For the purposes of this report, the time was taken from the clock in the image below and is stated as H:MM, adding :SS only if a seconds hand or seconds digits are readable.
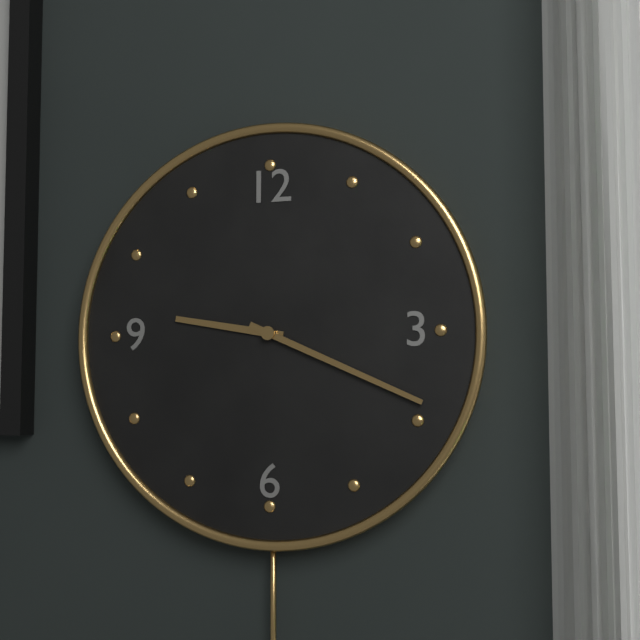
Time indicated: 9:19
